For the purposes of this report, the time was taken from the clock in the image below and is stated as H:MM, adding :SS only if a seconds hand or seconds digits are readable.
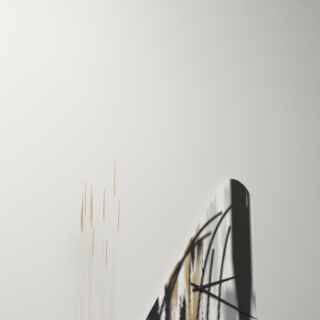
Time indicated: 2:18
